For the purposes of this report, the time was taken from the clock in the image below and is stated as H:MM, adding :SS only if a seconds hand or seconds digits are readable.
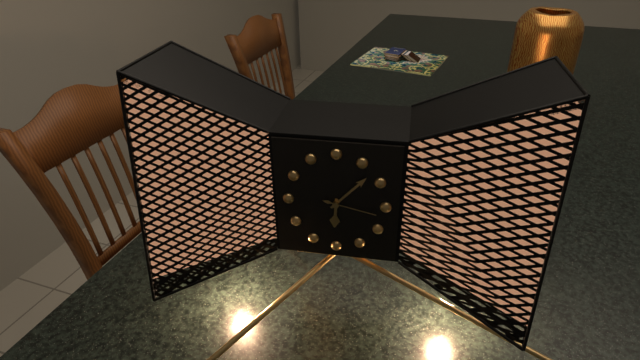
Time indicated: 6:07:17
